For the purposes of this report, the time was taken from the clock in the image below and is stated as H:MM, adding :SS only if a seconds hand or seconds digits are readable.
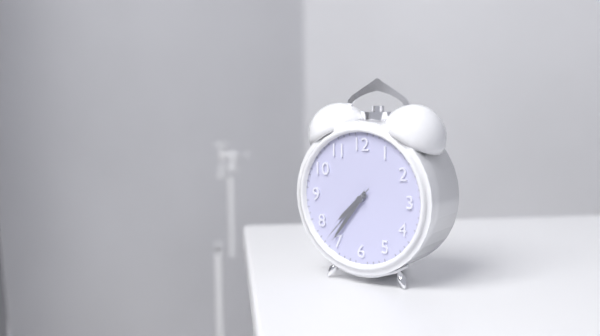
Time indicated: 7:36:37
